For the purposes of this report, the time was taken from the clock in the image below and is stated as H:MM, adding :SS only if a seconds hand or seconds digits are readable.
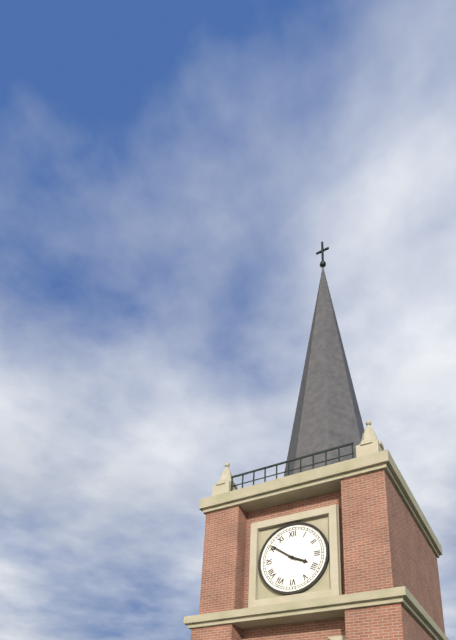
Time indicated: 3:51
